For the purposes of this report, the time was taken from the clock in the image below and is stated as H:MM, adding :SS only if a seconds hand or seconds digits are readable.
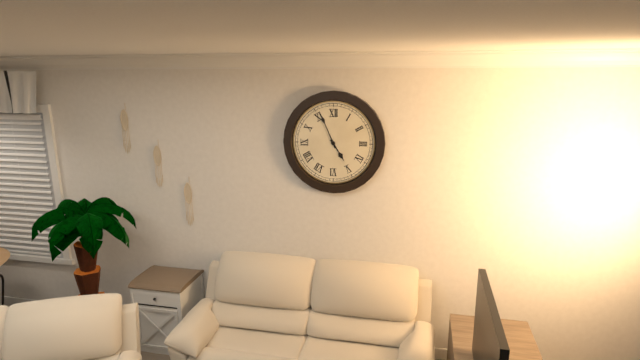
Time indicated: 4:56
